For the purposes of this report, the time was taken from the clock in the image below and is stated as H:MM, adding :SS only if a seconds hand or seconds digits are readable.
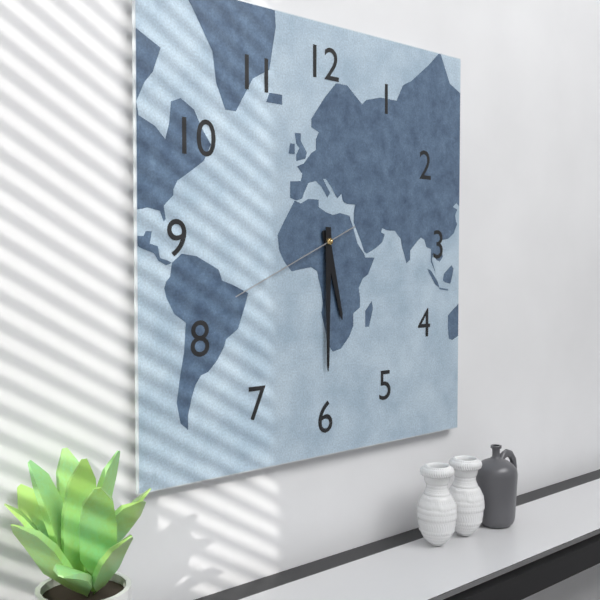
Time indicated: 5:30:41
